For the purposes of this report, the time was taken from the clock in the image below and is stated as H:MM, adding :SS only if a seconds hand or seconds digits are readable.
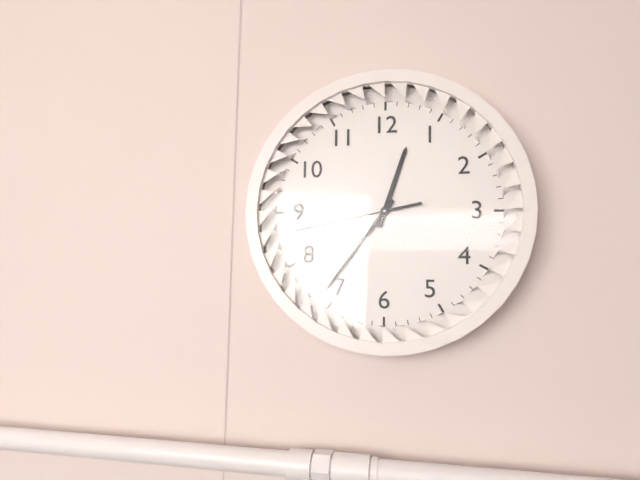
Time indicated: 12:36:43
